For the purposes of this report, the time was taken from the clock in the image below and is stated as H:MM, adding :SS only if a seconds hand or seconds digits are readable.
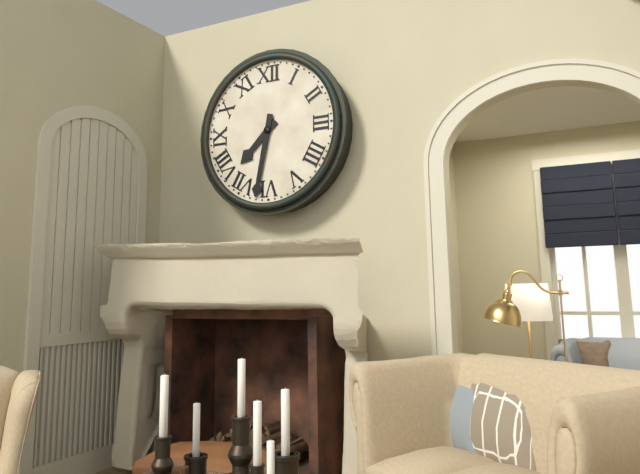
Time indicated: 7:32
